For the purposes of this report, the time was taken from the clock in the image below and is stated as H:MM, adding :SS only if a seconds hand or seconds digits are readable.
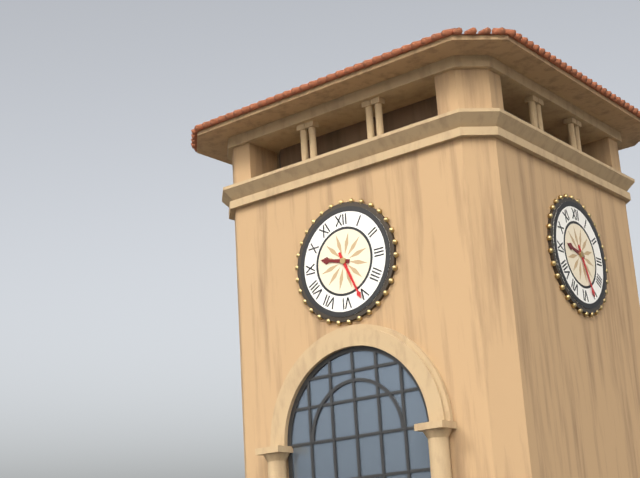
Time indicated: 9:26
